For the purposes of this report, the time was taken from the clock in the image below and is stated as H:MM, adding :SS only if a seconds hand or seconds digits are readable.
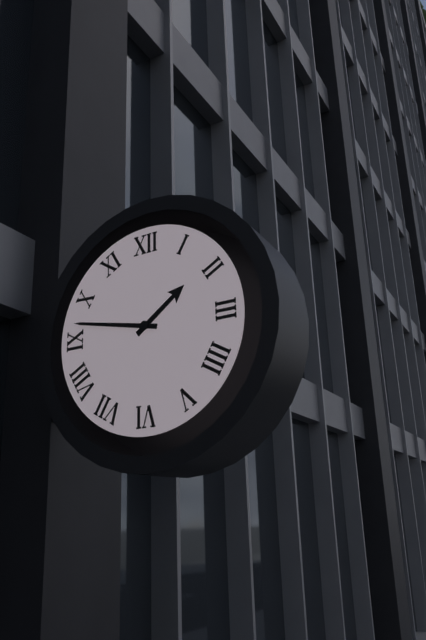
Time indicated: 1:47
